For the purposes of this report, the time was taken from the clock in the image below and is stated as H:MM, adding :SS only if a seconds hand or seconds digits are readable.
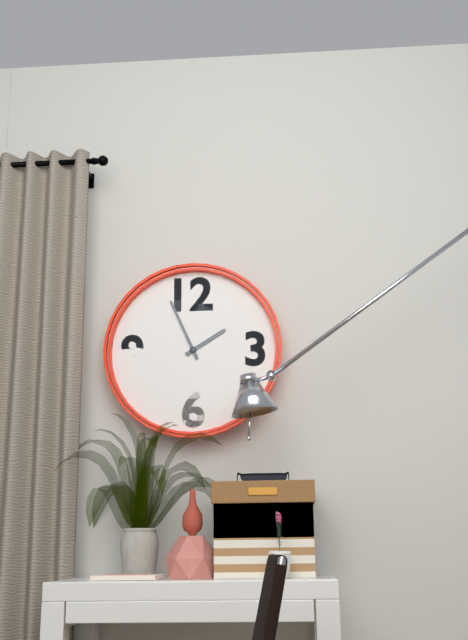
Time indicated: 1:56
